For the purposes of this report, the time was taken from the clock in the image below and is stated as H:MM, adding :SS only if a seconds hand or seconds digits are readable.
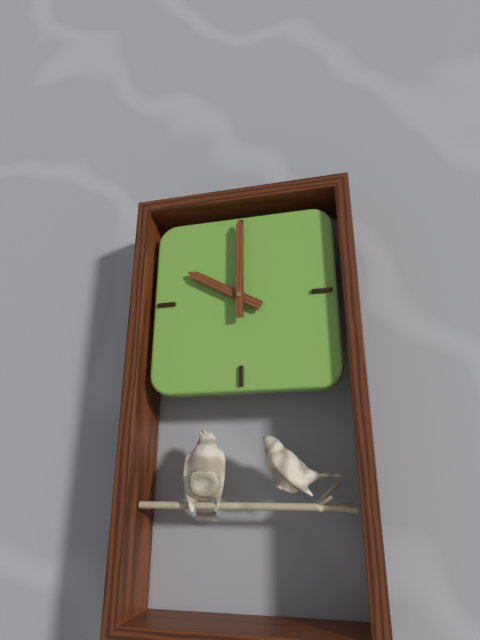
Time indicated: 10:00
